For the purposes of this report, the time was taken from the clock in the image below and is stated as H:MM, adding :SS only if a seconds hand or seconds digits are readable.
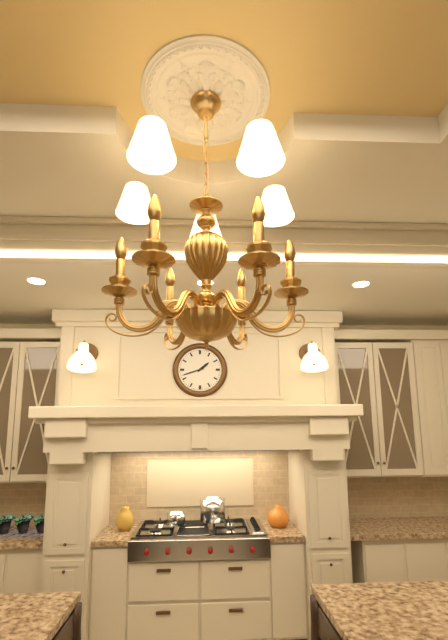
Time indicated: 1:42
